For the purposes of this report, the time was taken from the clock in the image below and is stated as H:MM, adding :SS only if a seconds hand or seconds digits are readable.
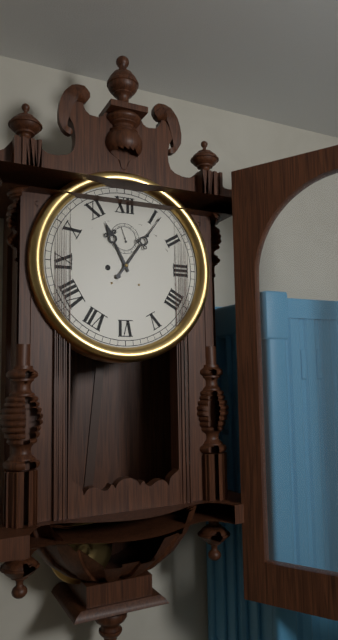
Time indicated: 11:06
